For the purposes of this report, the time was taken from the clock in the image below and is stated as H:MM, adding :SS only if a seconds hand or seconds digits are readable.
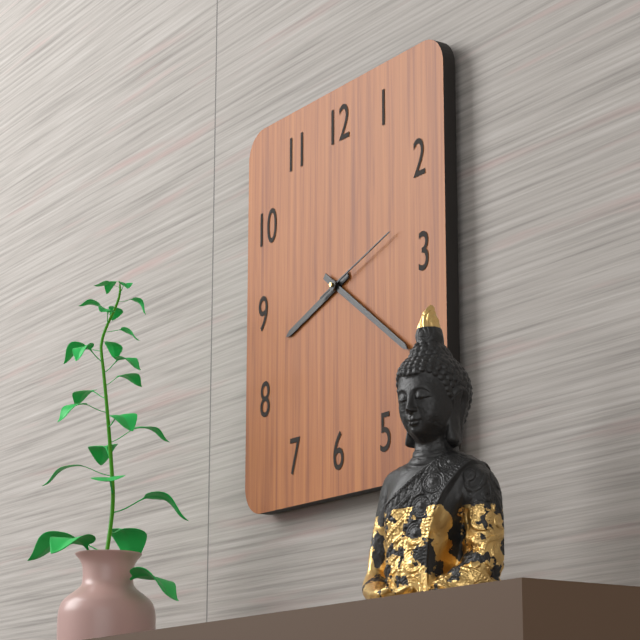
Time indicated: 8:21:12
